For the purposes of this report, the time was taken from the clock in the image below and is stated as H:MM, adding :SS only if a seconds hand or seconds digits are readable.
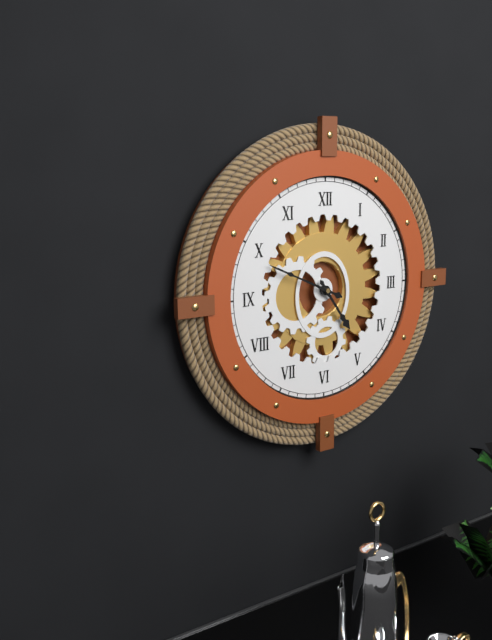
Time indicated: 4:49
